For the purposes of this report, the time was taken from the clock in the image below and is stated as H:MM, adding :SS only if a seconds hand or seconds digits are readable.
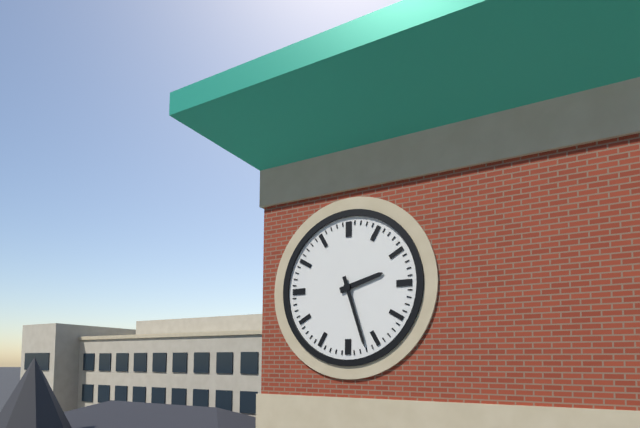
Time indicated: 2:27
